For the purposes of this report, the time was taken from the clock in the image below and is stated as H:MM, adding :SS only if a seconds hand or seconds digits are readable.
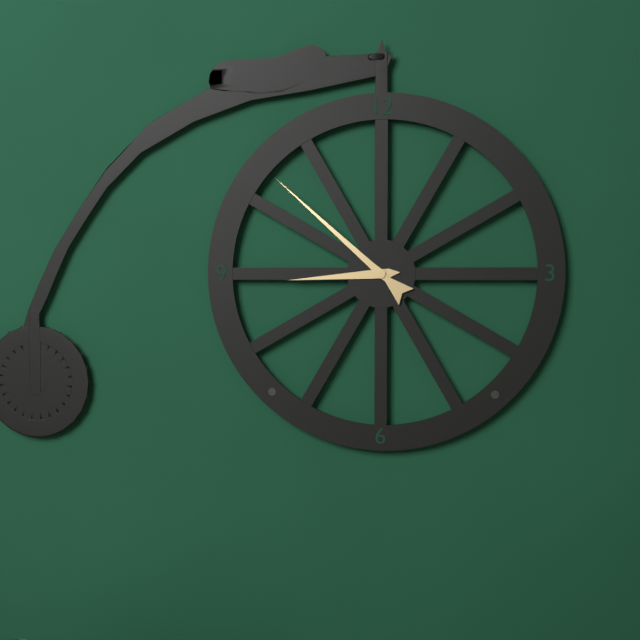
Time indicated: 8:52
